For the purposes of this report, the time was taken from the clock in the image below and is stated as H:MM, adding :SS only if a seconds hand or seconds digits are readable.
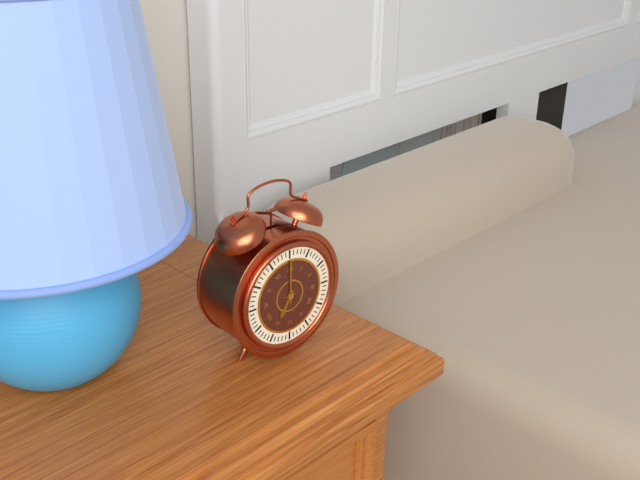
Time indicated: 7:00
